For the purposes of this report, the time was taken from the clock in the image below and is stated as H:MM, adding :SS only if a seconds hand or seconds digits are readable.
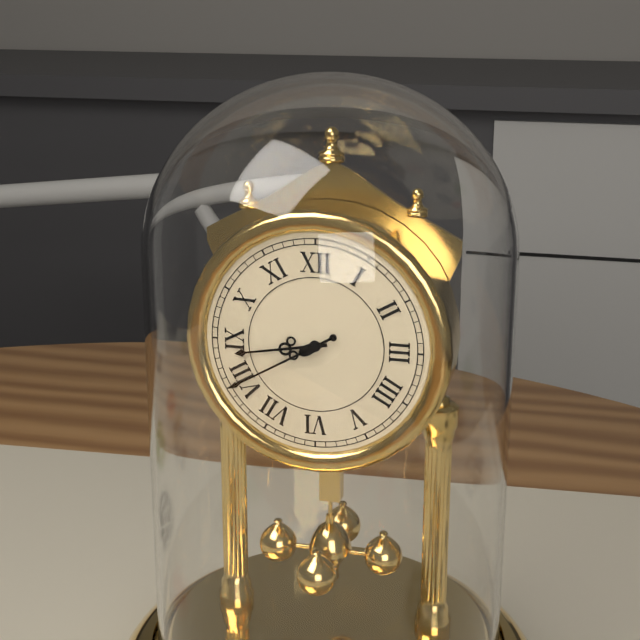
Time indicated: 8:40
